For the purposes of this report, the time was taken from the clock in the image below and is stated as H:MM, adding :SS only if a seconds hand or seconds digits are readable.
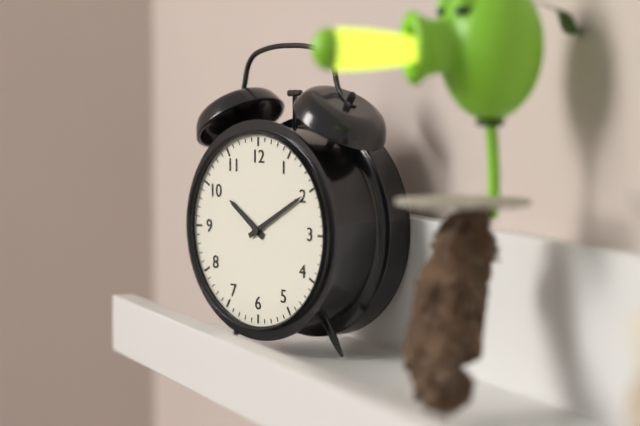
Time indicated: 10:10
